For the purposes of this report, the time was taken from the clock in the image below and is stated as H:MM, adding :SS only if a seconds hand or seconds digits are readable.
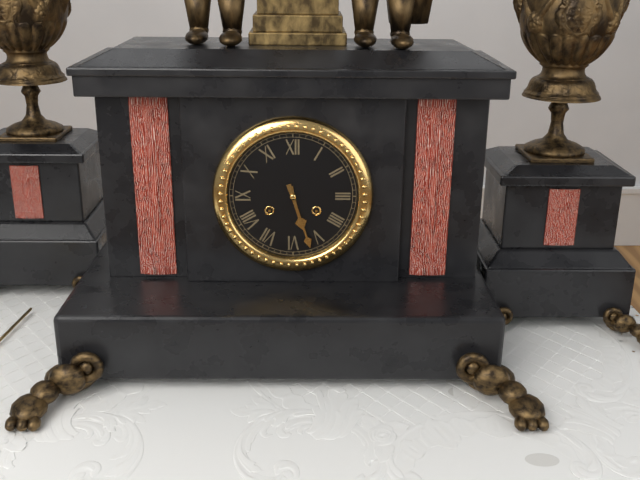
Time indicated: 5:27
